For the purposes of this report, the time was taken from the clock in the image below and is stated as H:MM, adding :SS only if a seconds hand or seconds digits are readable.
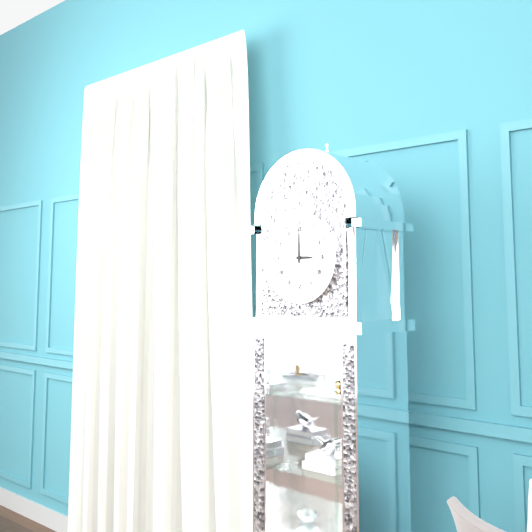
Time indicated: 3:00
